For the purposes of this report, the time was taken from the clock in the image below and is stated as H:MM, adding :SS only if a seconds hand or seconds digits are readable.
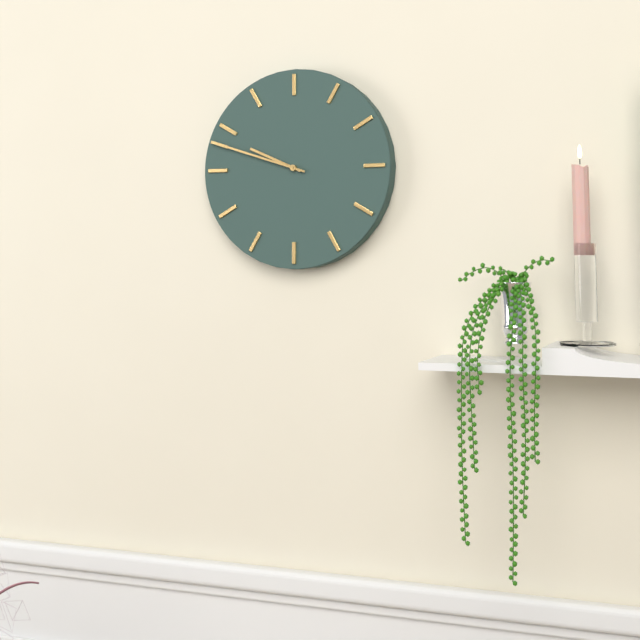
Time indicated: 9:48
